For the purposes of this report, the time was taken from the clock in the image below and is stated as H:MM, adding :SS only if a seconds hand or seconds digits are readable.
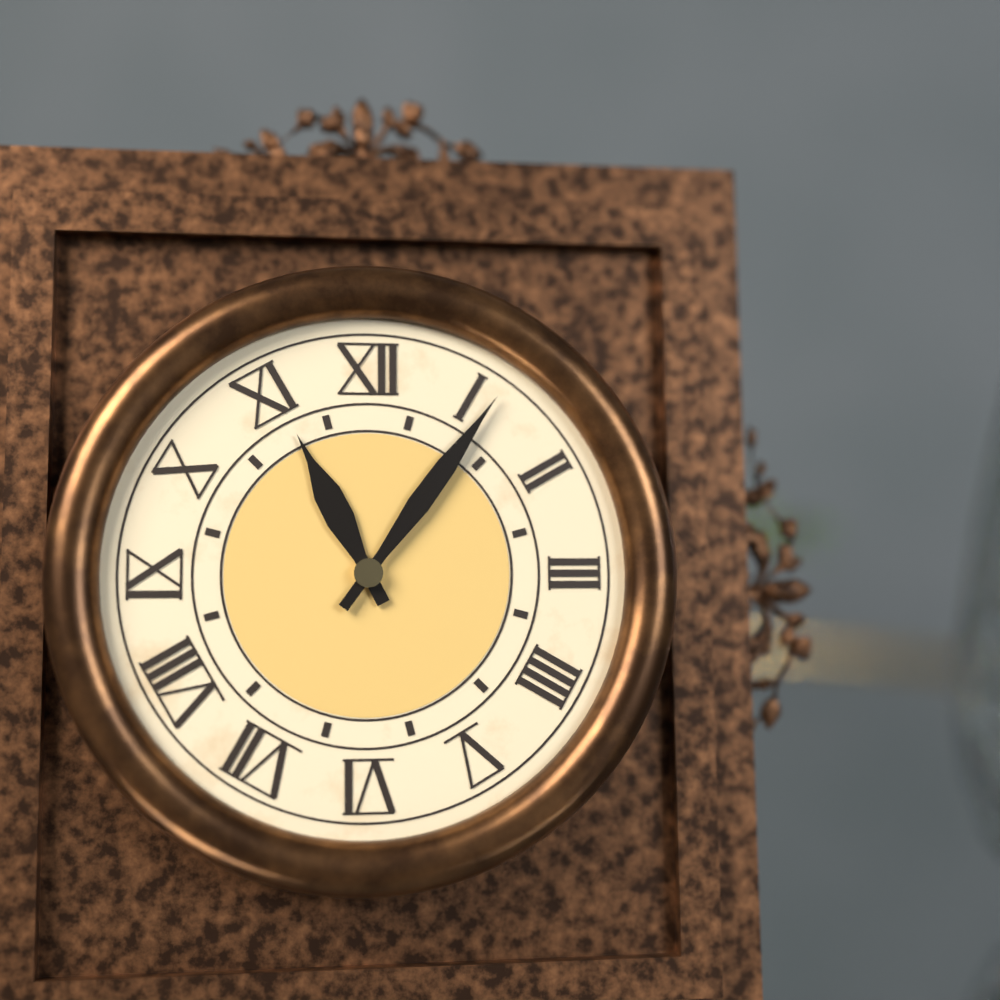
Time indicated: 11:06
